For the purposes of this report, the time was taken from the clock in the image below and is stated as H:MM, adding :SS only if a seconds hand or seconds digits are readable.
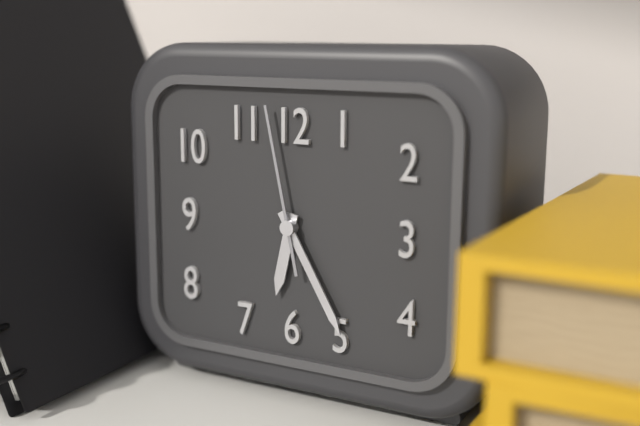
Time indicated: 6:25:58
